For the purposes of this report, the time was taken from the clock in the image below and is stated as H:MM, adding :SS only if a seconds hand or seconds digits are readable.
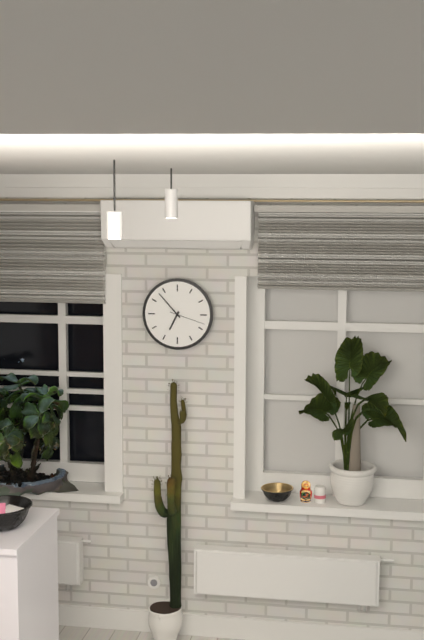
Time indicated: 6:53
